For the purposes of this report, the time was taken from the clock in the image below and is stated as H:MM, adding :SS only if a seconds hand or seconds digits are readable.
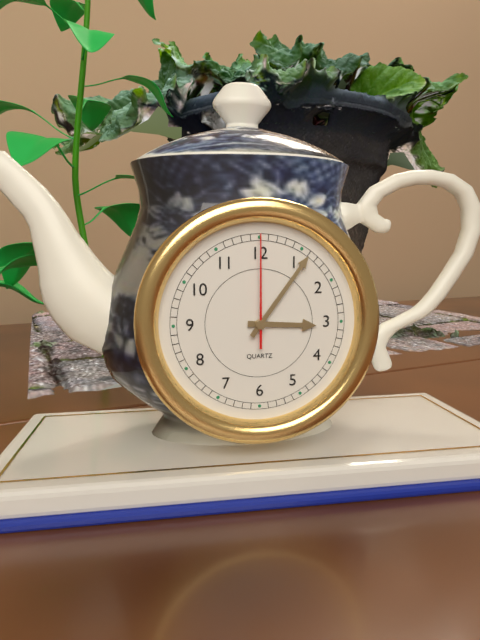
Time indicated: 3:06:00
